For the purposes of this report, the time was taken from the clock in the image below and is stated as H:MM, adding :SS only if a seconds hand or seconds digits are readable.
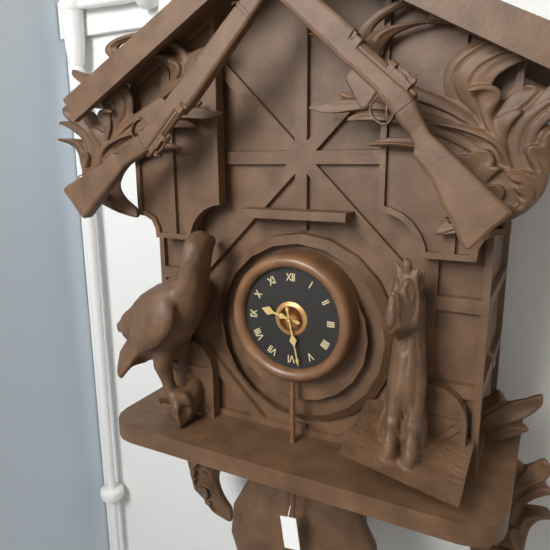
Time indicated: 9:28
